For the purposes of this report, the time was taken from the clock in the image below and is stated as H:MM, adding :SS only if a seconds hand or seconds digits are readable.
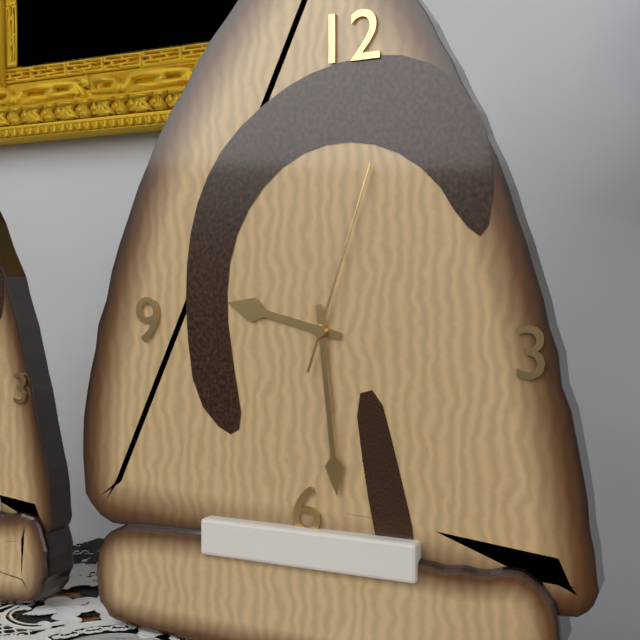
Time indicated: 9:29:03
